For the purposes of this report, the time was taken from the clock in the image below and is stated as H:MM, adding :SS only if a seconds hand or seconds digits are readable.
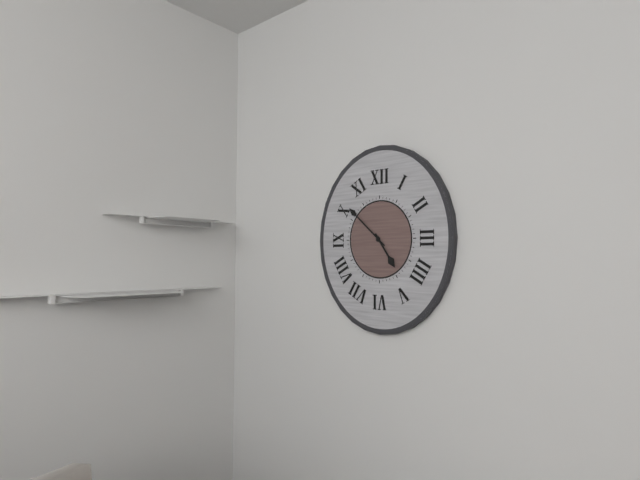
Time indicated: 4:52
